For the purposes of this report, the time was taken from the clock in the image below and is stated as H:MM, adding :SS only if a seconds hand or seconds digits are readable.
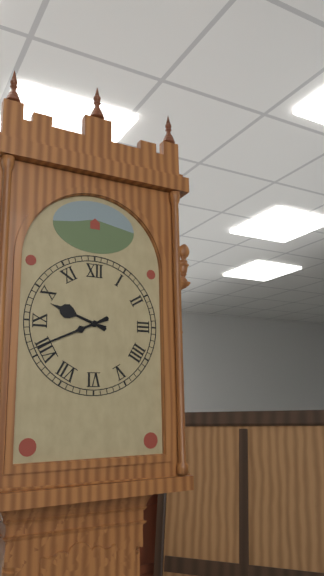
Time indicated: 9:41
